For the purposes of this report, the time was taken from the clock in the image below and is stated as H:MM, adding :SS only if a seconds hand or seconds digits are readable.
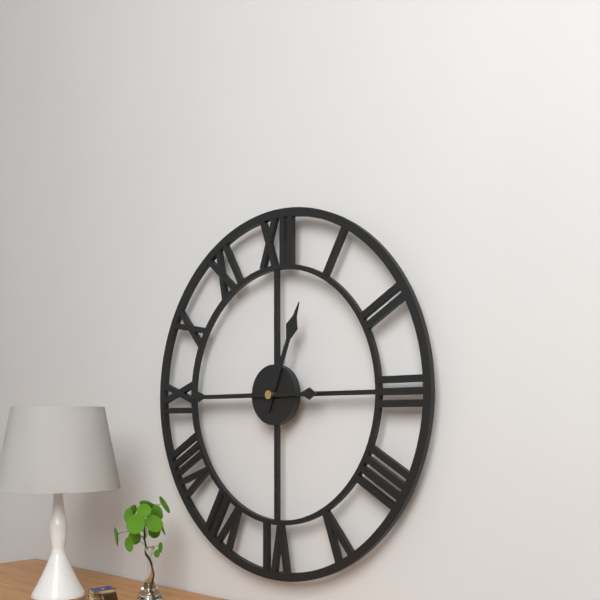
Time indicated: 12:45
